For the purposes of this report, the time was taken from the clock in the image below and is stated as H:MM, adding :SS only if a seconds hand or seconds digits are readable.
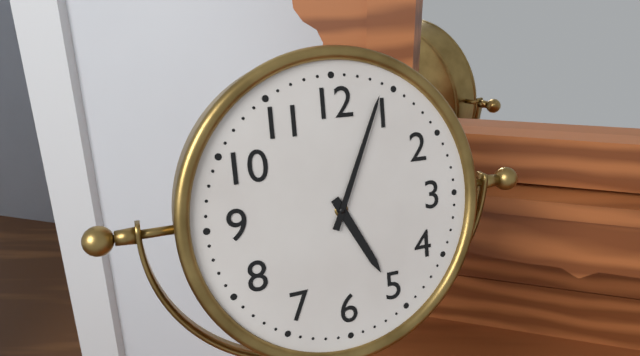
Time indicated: 5:04
